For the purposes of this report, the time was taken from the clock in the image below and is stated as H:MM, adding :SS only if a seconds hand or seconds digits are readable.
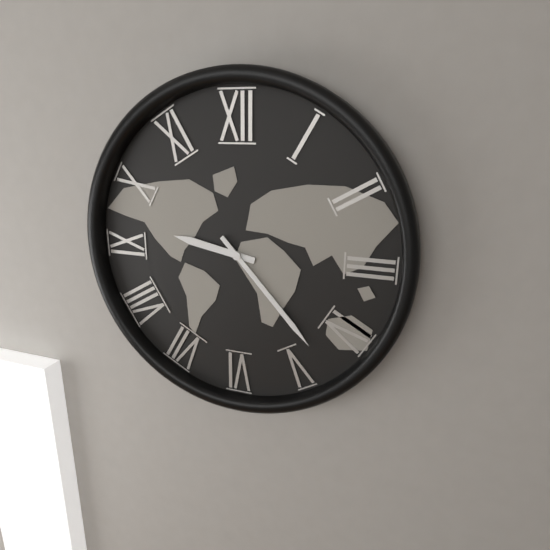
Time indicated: 9:23
